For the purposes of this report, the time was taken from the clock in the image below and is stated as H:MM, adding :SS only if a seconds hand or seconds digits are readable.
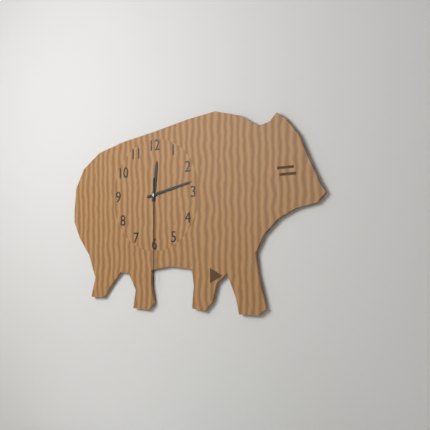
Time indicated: 12:13:30
